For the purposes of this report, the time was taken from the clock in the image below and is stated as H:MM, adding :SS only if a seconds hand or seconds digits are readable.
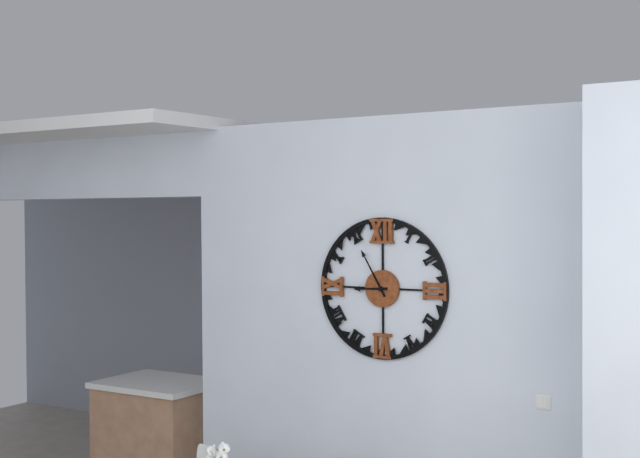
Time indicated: 8:55
